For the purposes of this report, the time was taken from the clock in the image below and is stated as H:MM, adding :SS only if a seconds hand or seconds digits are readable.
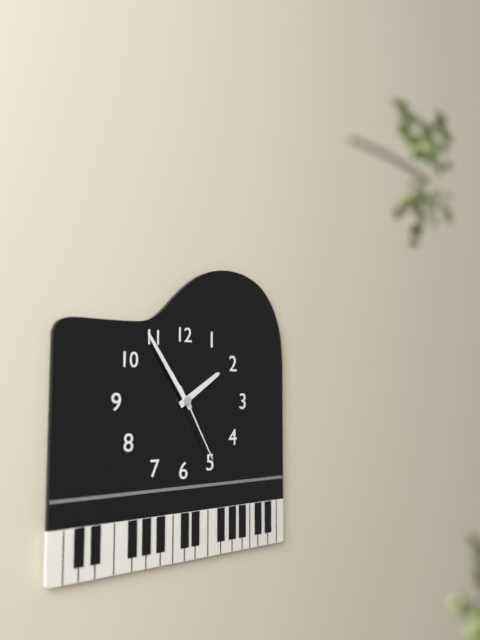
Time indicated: 1:54:25
